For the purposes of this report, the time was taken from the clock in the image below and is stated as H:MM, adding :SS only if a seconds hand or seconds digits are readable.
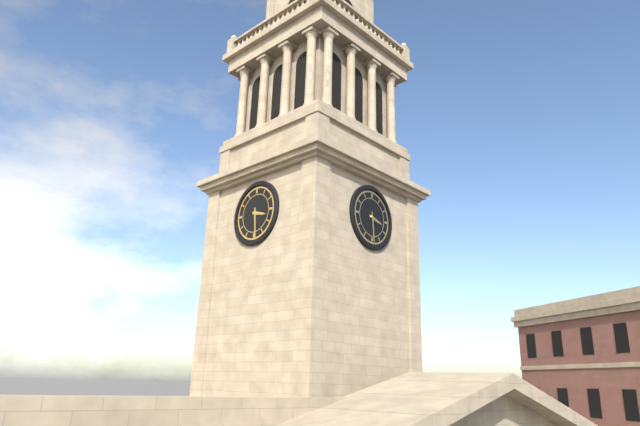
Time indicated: 3:29
